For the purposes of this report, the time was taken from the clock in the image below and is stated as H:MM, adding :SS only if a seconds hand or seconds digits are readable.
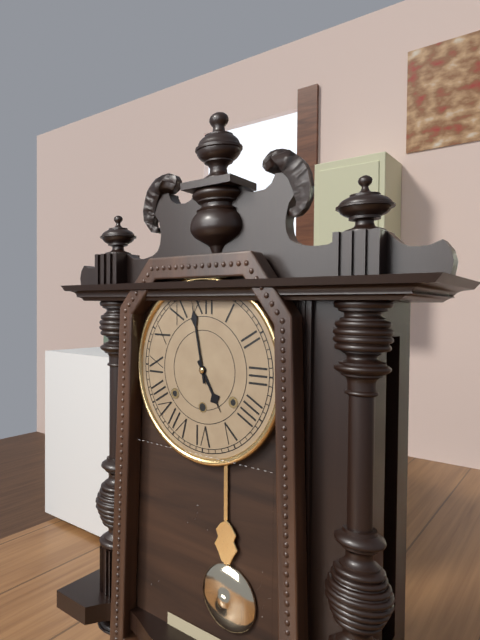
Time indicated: 4:58
